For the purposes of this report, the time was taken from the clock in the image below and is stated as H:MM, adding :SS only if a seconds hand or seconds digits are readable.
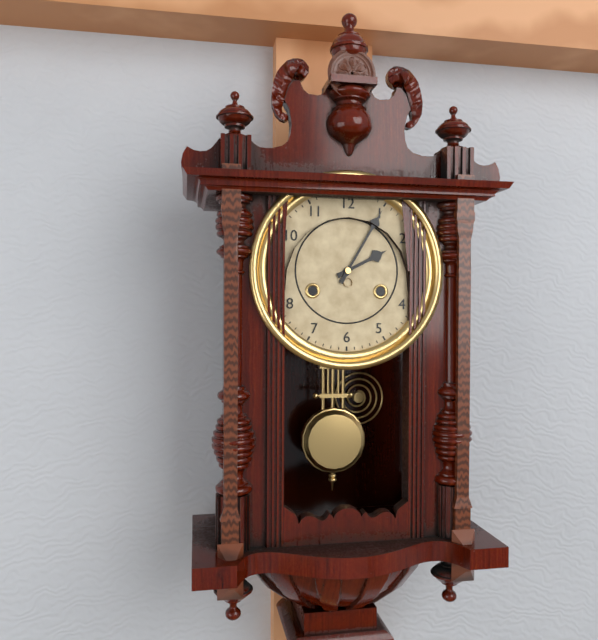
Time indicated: 2:05
